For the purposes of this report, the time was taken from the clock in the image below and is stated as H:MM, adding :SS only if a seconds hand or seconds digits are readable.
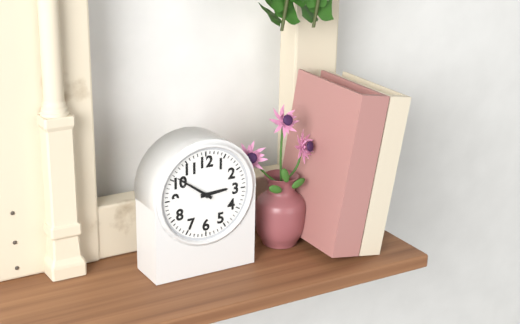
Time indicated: 2:51
